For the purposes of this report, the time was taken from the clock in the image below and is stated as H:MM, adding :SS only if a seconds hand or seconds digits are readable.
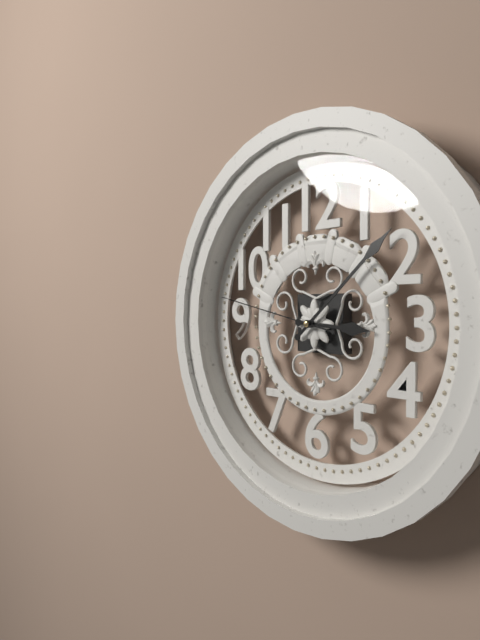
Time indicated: 3:08:47
